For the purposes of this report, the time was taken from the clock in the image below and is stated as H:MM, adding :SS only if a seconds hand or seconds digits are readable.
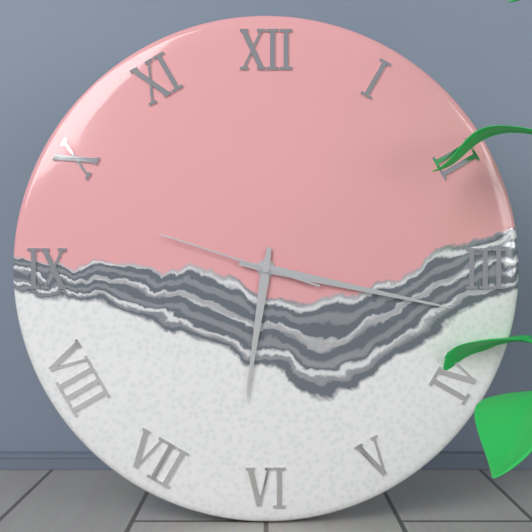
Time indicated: 6:17:48
